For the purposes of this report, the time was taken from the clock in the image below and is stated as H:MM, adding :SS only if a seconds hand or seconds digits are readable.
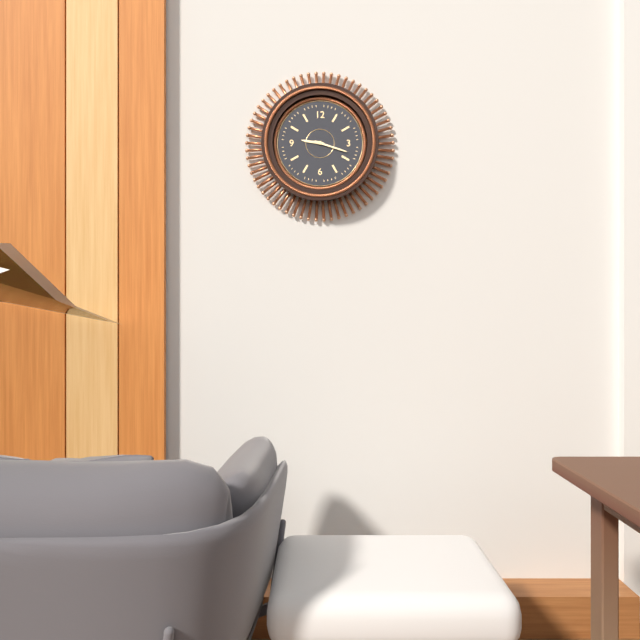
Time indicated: 9:18
